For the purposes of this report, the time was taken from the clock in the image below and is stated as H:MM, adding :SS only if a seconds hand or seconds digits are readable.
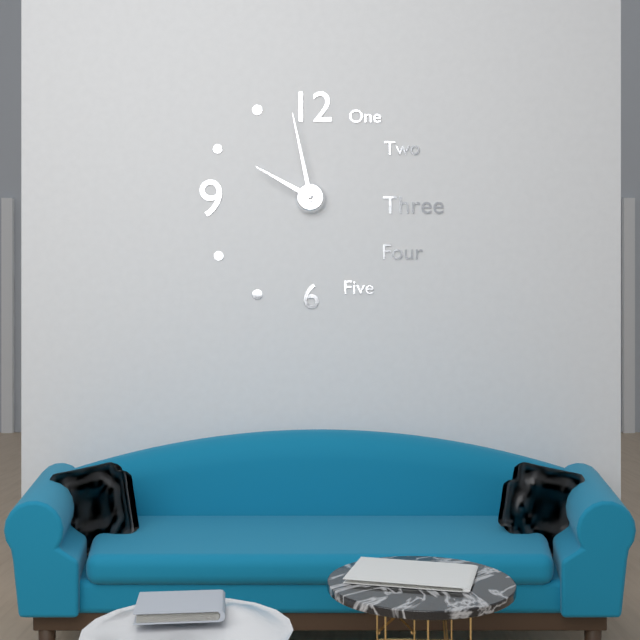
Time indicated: 9:58
